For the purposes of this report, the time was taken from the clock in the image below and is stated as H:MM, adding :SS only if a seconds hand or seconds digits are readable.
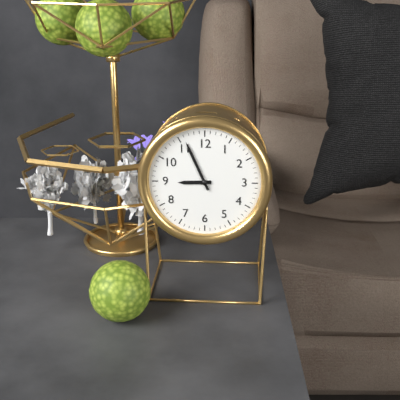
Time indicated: 8:56
